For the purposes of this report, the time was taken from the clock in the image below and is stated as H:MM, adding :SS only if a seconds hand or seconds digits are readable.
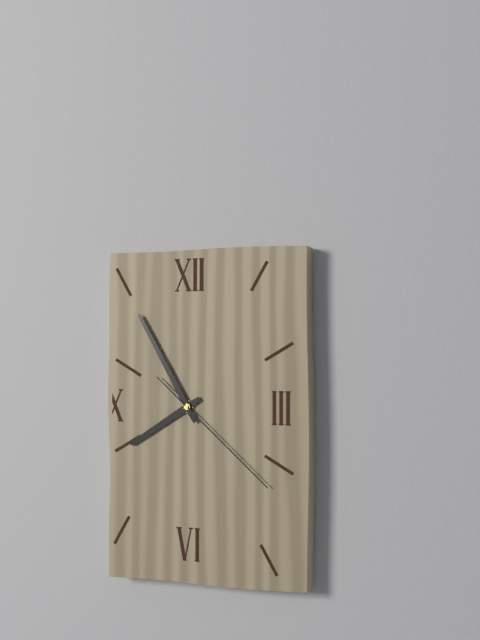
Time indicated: 7:55:22
